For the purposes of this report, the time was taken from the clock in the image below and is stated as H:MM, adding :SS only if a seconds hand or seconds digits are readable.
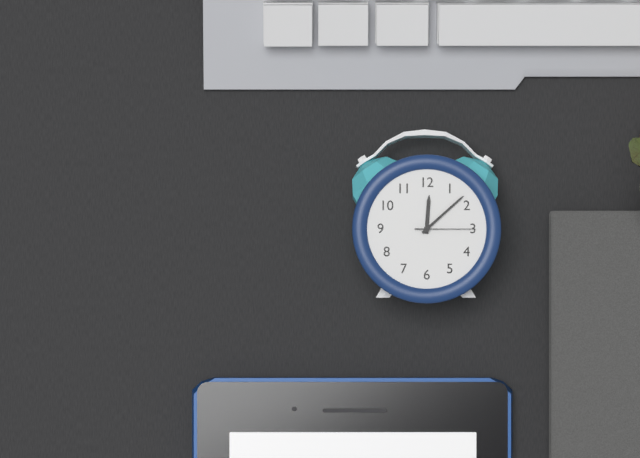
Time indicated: 12:08:15
